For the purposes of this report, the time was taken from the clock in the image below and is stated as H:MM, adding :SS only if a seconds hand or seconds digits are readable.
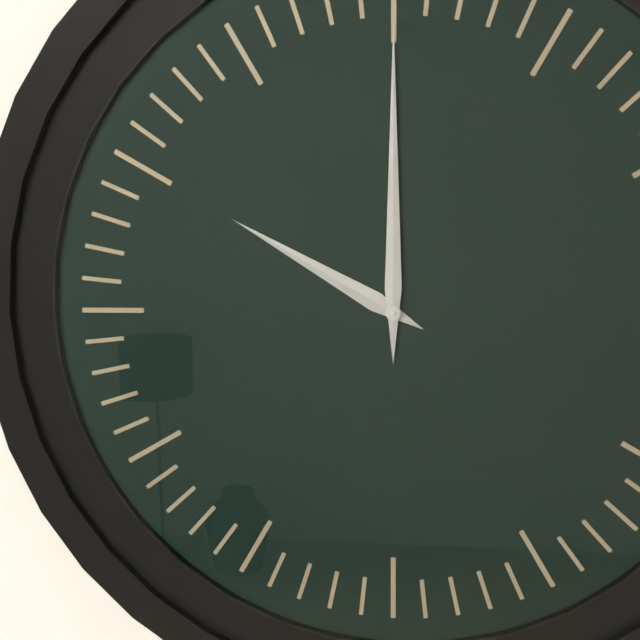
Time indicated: 10:00
